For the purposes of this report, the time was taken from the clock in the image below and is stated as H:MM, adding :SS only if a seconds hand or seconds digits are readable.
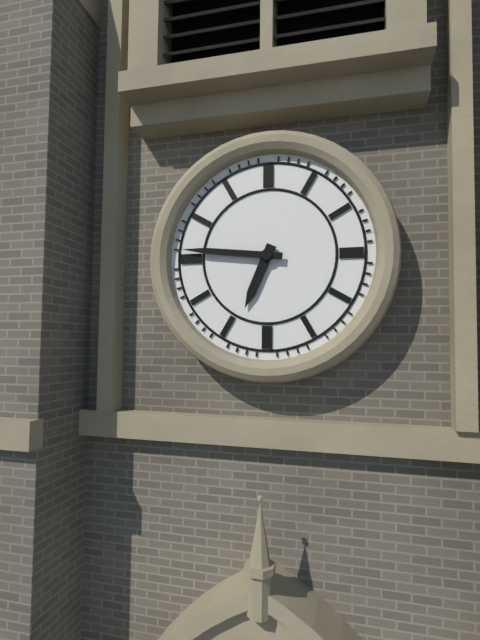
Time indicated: 6:46
